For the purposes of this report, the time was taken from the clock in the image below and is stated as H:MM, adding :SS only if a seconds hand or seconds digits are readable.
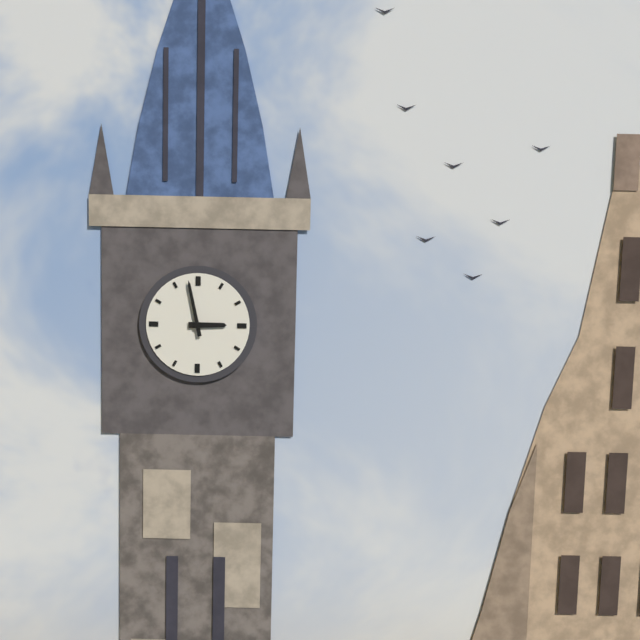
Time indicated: 2:58
